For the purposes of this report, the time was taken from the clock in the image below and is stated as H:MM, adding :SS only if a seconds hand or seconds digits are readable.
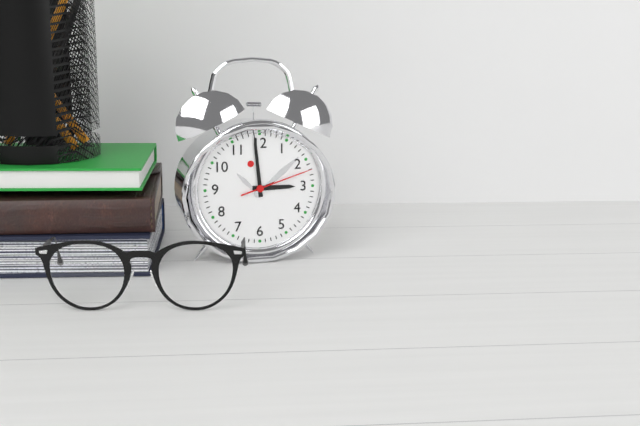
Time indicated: 2:59:12
